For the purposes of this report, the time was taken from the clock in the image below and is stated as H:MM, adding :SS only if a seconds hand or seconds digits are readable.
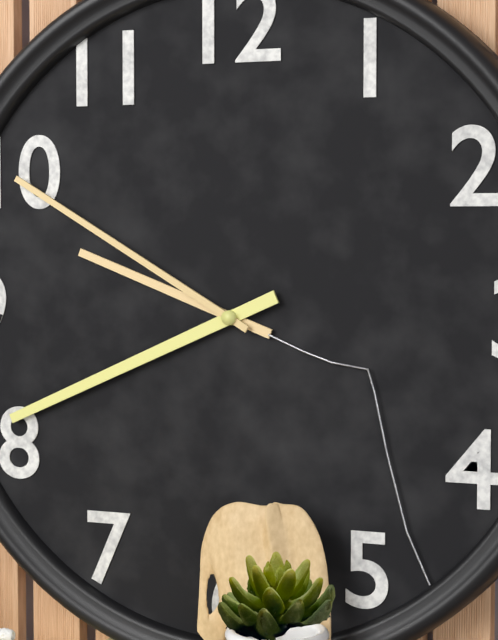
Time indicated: 9:41:50
